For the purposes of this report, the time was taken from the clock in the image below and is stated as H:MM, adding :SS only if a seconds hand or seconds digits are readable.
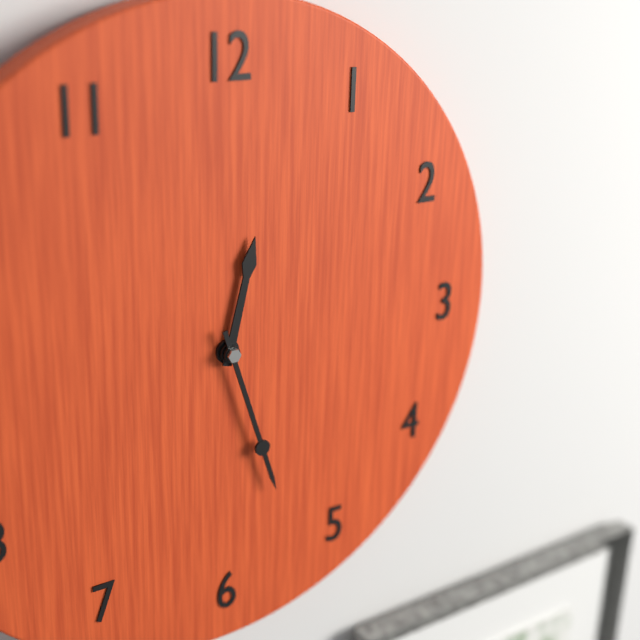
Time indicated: 12:27
